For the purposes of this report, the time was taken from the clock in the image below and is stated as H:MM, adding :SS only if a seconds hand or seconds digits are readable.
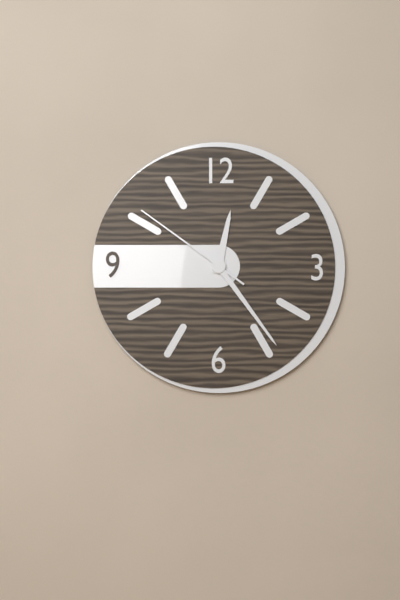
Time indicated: 12:24:51
